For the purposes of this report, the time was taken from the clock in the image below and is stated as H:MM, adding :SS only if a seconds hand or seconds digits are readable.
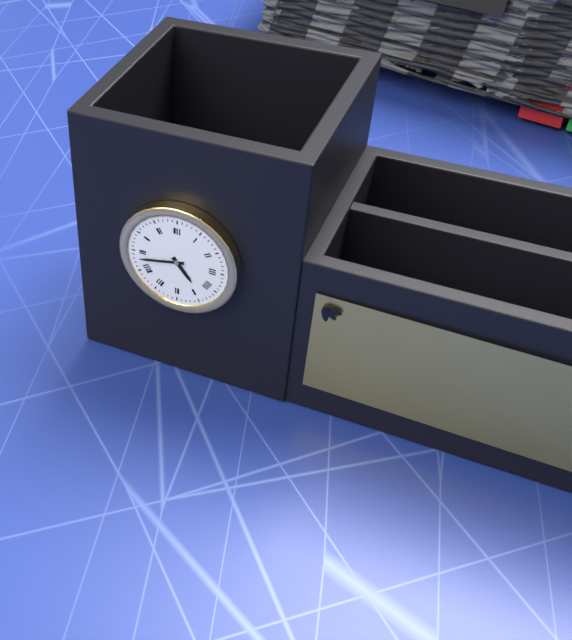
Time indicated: 4:43
